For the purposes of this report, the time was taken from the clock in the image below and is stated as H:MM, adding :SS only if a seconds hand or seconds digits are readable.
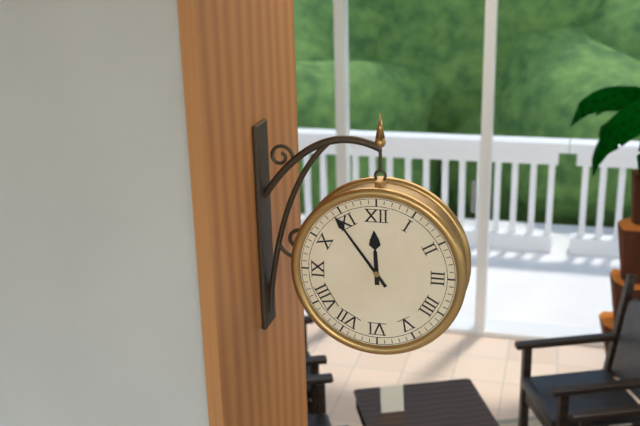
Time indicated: 11:54
